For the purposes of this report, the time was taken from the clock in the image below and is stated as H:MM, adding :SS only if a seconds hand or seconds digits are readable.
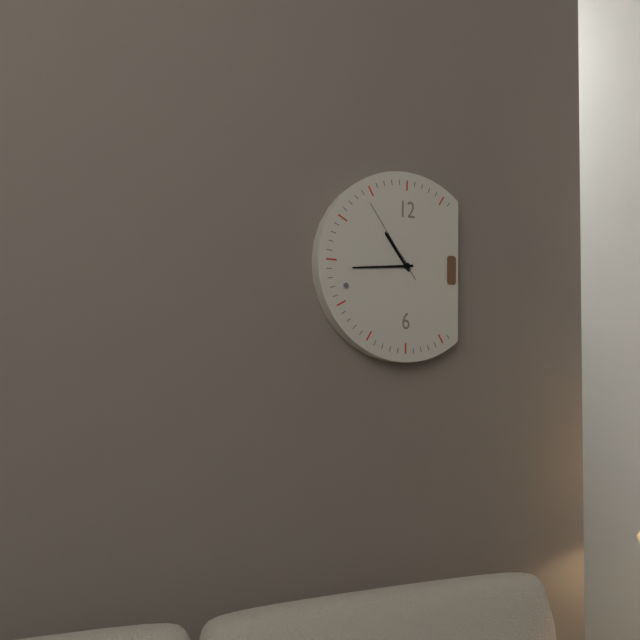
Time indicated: 10:44:54
